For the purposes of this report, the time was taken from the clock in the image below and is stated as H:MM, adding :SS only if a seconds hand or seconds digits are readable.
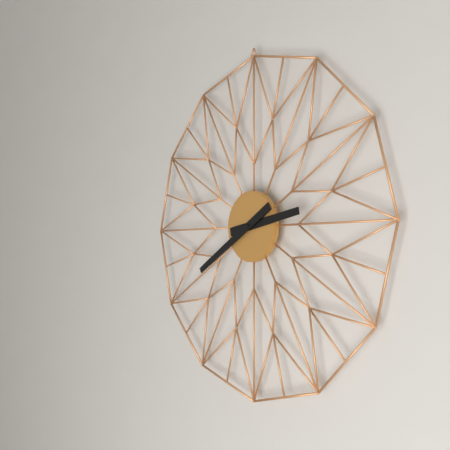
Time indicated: 2:40
